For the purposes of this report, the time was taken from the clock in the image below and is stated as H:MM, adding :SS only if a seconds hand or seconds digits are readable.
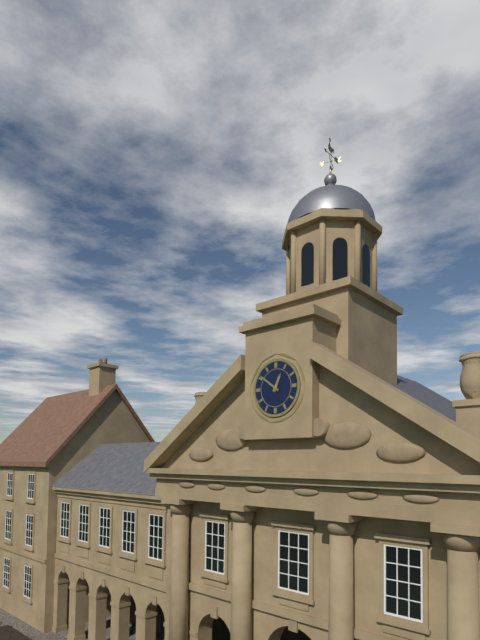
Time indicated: 12:51
